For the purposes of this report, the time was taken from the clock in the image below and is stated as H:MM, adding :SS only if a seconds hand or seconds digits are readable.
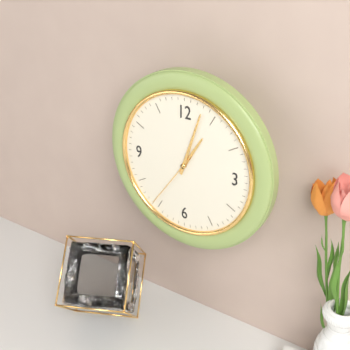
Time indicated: 1:03:36
